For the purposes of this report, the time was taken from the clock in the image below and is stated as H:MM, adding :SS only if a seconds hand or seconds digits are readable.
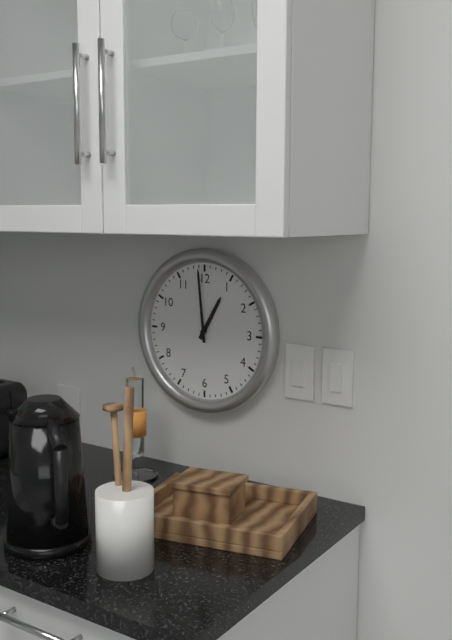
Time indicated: 12:59
